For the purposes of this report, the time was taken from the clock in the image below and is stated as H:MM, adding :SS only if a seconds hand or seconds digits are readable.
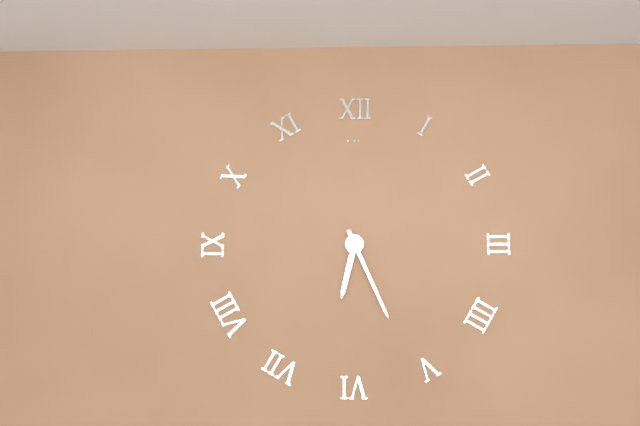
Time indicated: 6:26
